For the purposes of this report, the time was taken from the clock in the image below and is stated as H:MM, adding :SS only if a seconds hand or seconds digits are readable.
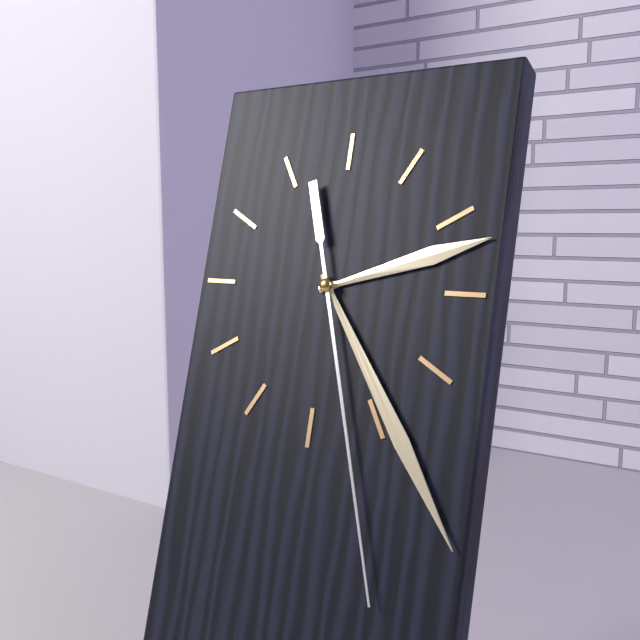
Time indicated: 2:24:27
